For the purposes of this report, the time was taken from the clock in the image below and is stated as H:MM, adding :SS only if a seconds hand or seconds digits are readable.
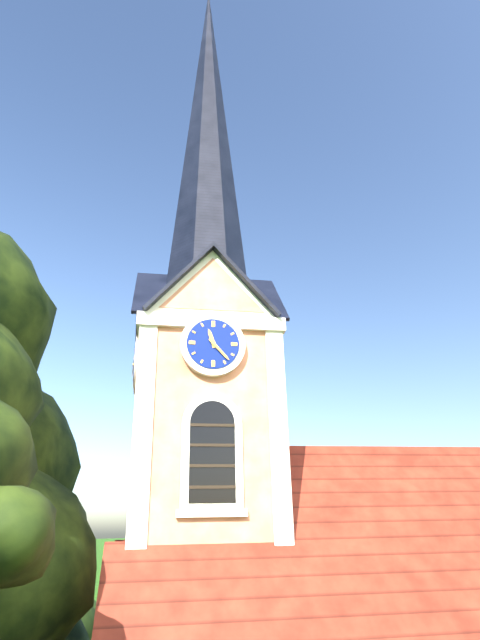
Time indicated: 11:23
